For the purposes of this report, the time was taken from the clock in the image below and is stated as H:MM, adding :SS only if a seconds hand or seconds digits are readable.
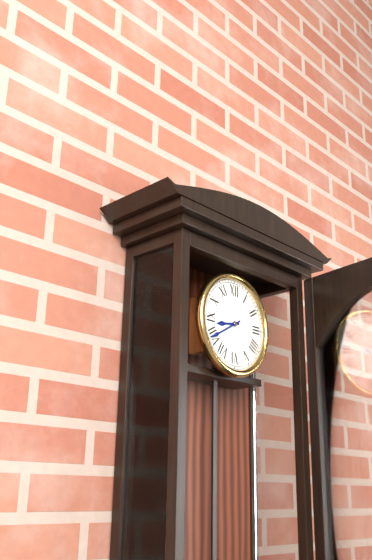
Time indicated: 8:40
